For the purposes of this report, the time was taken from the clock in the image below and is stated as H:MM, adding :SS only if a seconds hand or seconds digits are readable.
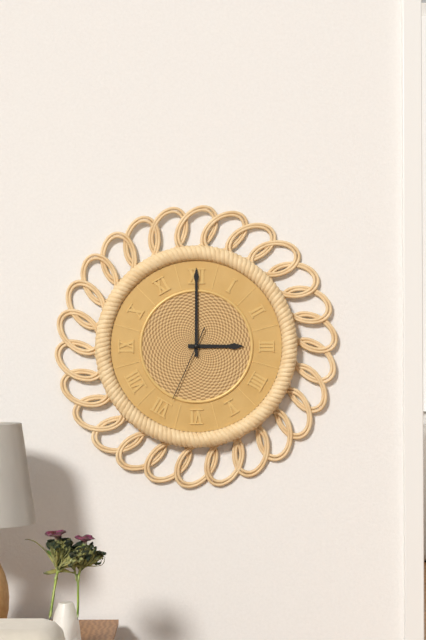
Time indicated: 3:00:34
